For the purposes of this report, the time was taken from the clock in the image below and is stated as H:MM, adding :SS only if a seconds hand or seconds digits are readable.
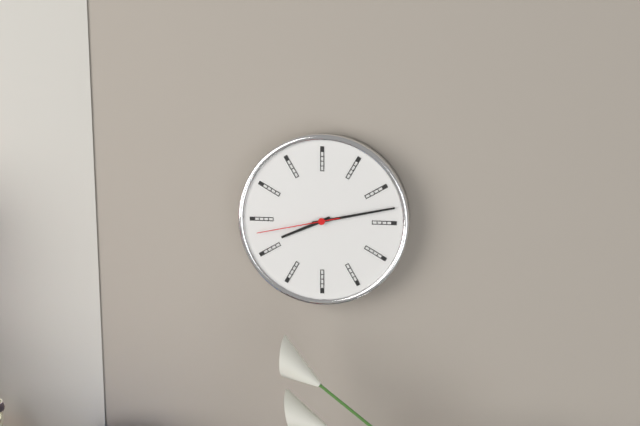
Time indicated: 8:13:43
